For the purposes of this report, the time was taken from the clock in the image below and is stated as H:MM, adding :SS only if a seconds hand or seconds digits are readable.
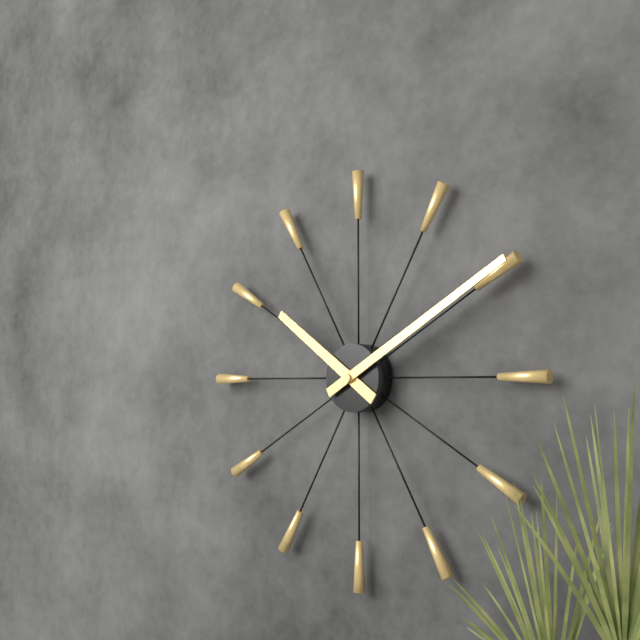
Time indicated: 10:10
